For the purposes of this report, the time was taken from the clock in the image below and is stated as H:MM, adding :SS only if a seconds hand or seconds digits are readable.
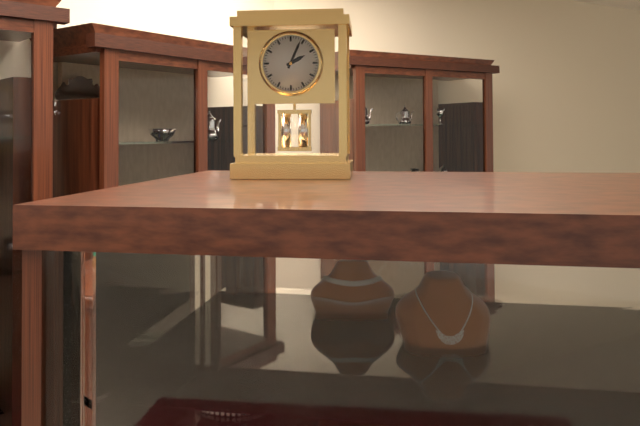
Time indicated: 2:04
